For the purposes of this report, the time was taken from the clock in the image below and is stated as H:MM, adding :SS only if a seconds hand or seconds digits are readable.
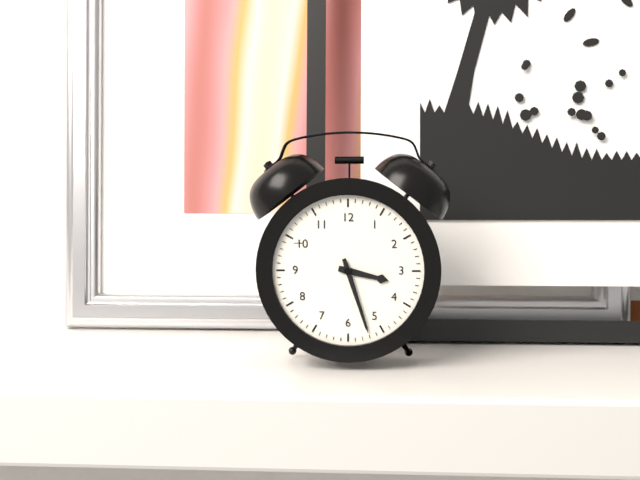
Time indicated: 3:27
